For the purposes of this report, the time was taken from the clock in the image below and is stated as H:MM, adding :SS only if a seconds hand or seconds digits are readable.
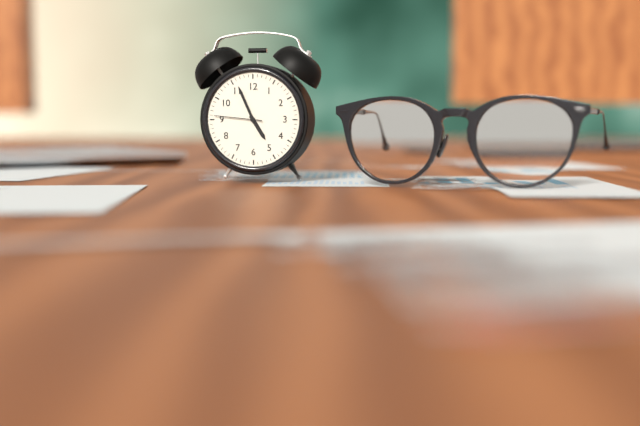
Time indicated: 4:56
